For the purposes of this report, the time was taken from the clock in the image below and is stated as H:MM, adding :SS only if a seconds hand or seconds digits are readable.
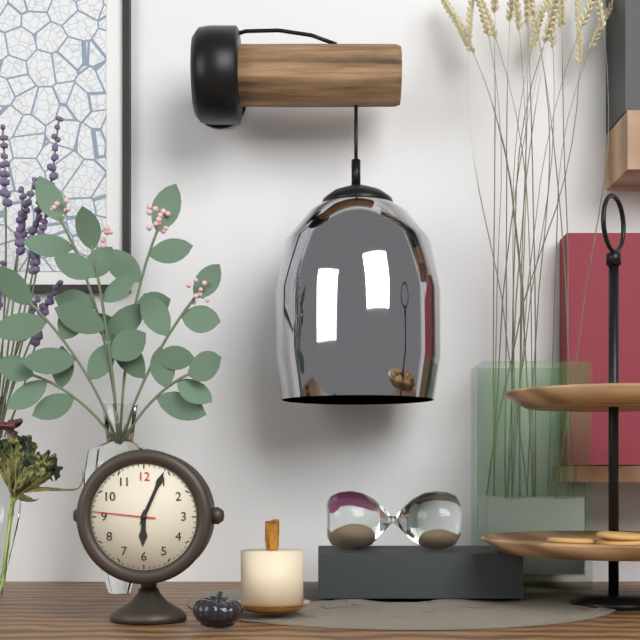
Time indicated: 6:04:46
